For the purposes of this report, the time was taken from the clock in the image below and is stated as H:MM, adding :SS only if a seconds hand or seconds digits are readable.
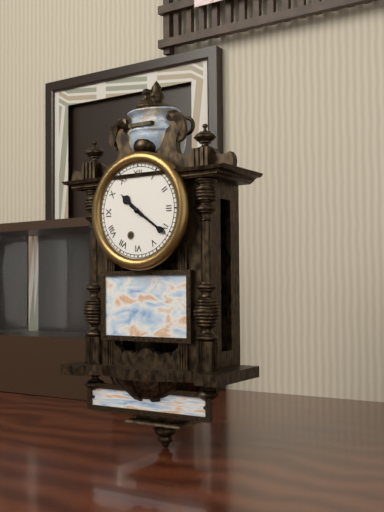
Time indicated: 10:21
